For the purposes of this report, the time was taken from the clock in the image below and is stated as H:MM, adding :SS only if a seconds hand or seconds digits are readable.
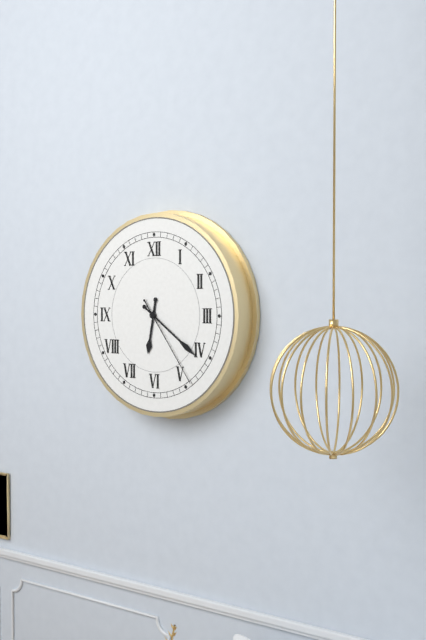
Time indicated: 6:21:24
